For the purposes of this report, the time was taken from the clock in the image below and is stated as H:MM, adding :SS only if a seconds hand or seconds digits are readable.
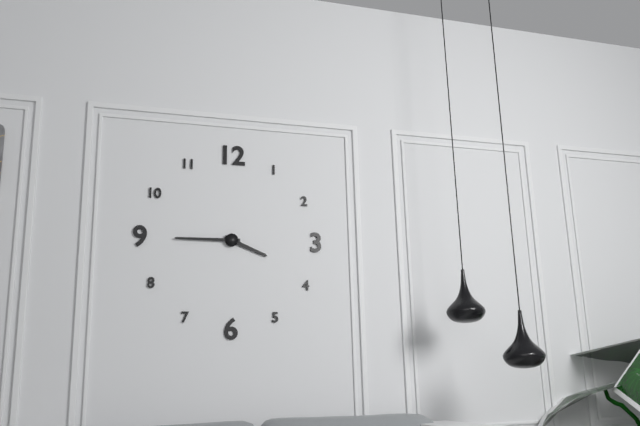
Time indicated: 3:45
